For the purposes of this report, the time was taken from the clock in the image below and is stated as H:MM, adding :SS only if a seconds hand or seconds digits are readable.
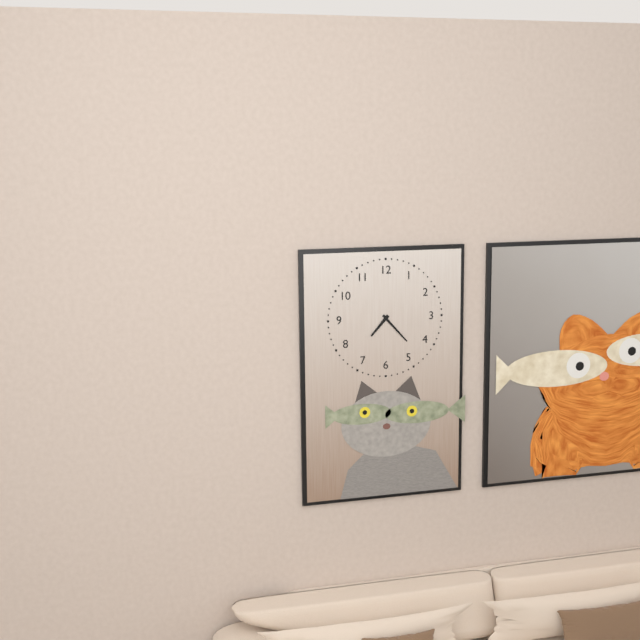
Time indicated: 7:23
